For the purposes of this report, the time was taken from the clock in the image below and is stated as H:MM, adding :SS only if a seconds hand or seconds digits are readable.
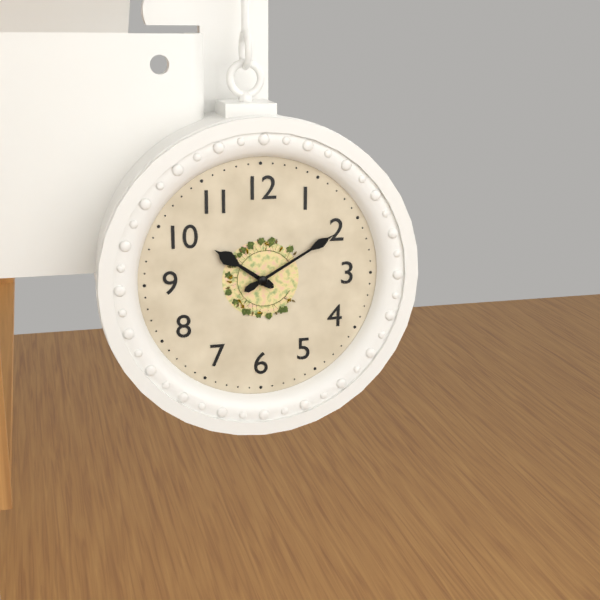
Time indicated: 10:10
